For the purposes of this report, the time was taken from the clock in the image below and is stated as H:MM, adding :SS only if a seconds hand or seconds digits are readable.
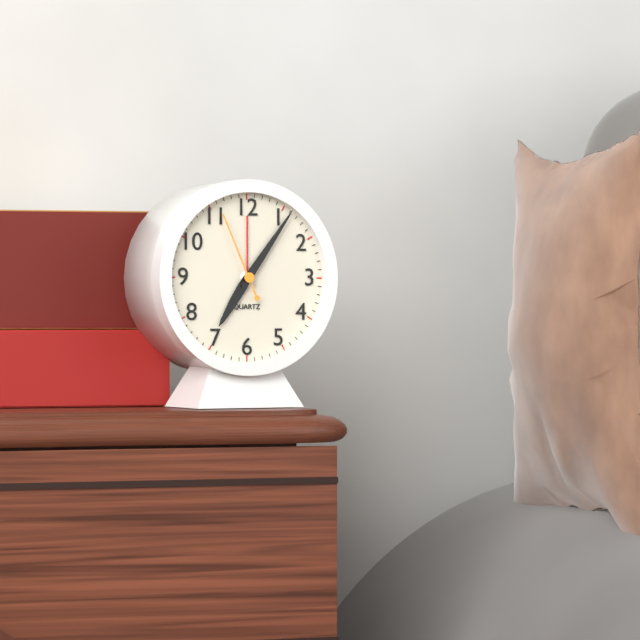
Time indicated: 7:06:56
